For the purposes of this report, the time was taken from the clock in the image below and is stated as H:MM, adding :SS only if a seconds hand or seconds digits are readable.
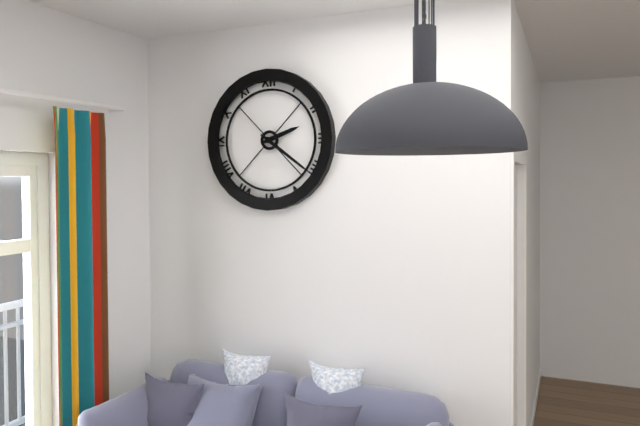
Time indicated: 2:21
